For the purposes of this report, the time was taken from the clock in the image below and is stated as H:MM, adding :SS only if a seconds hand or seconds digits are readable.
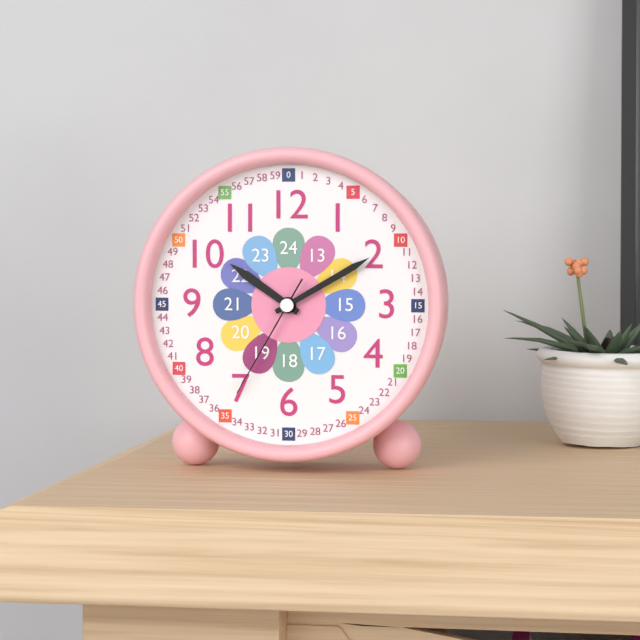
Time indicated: 10:10:35
